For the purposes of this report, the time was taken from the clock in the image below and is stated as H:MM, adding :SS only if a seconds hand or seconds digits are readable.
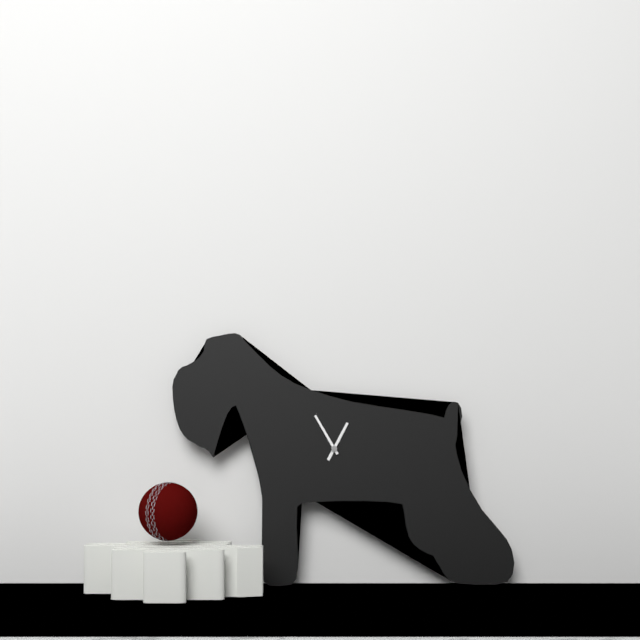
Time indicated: 12:55
